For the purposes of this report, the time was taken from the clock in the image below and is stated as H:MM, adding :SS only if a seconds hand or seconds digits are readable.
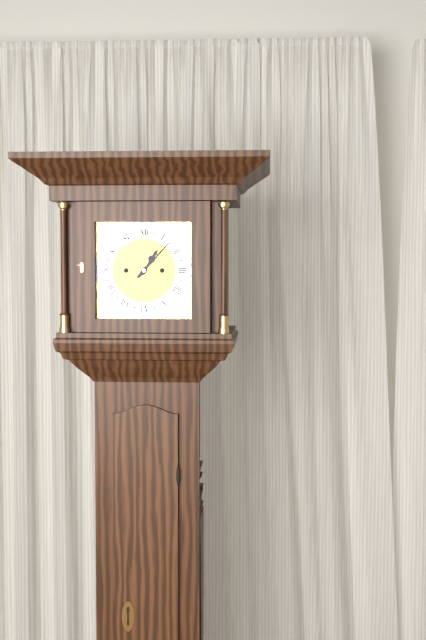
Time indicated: 1:07
